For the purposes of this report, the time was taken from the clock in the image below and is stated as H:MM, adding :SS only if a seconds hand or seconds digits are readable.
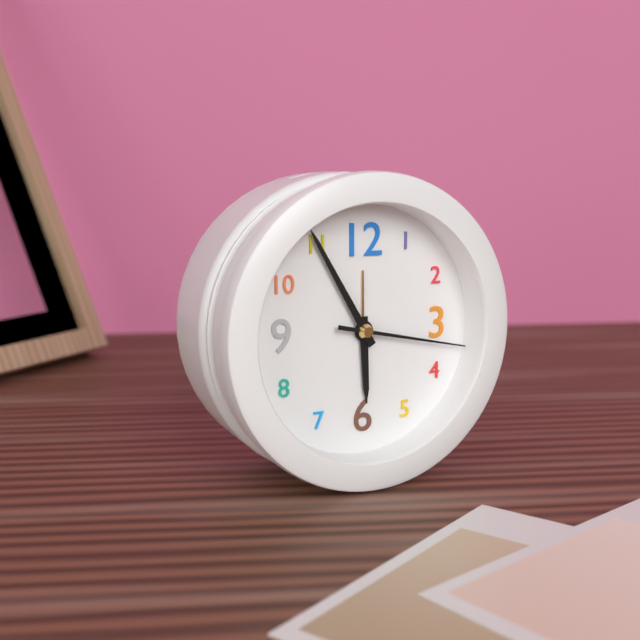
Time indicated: 5:55:17
